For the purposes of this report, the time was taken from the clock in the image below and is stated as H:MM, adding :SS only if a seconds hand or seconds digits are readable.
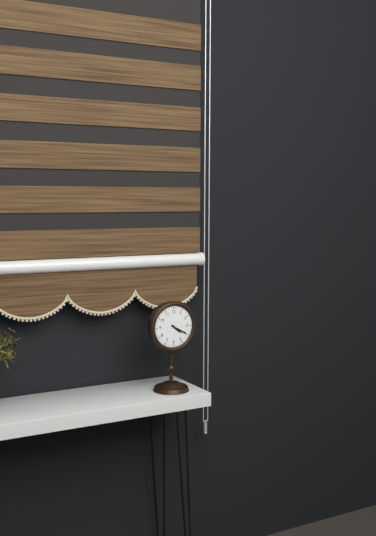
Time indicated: 4:20
